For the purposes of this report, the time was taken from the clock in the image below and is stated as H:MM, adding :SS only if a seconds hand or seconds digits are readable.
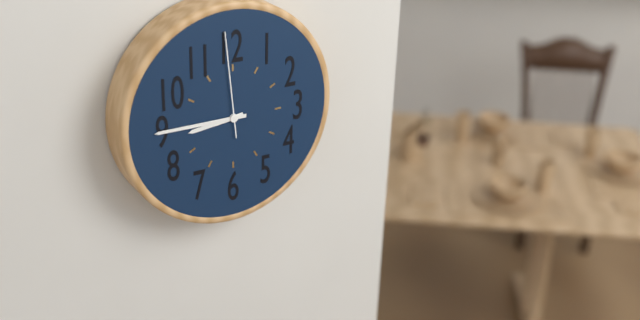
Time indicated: 8:45:59
